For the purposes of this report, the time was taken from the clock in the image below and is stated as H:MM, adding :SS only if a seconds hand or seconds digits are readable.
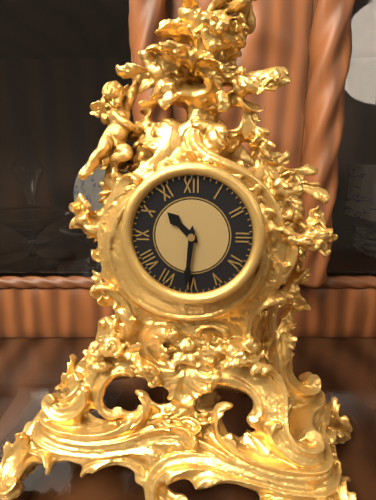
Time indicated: 10:31
